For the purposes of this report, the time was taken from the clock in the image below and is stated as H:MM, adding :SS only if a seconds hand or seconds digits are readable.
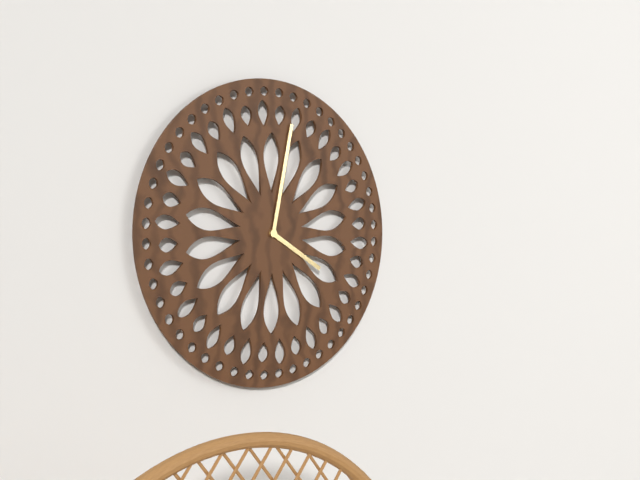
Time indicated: 4:02
